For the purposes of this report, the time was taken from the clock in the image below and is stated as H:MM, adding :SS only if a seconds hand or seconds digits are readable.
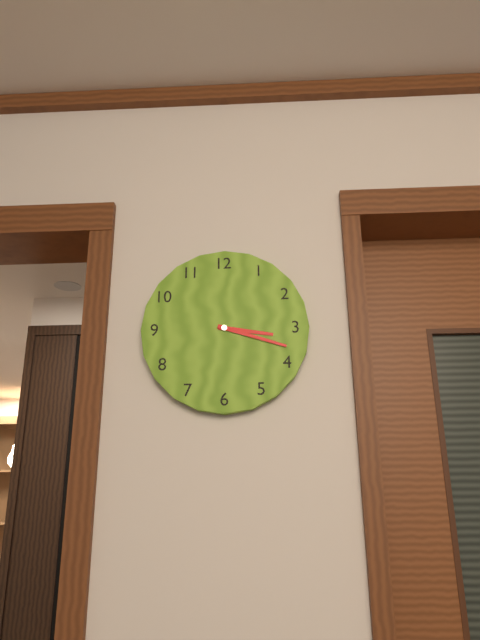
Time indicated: 3:18
